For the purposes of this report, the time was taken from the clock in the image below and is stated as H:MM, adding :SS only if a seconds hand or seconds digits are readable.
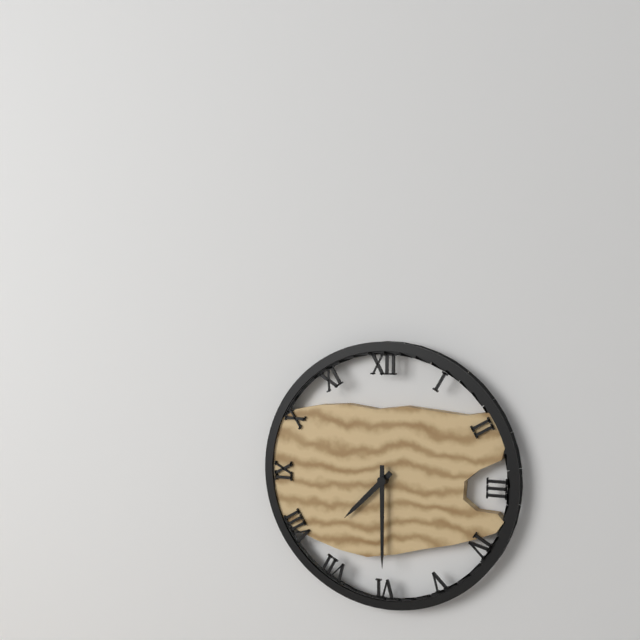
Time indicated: 7:30
